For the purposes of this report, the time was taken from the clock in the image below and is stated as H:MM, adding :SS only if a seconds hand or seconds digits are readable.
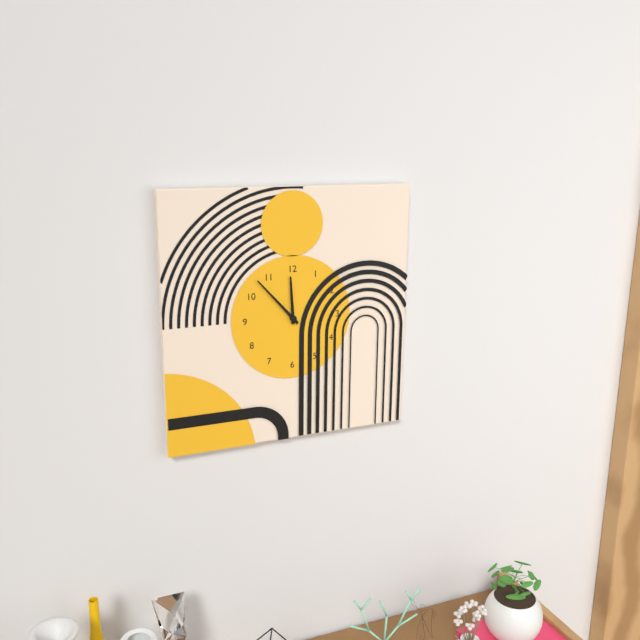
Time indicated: 11:53
